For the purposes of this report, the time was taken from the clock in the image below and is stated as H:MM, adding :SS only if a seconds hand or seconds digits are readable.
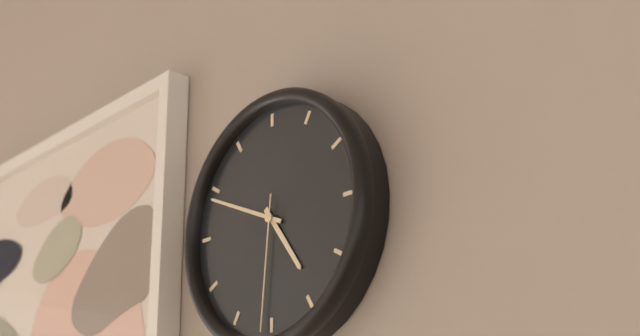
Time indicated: 4:49:31
